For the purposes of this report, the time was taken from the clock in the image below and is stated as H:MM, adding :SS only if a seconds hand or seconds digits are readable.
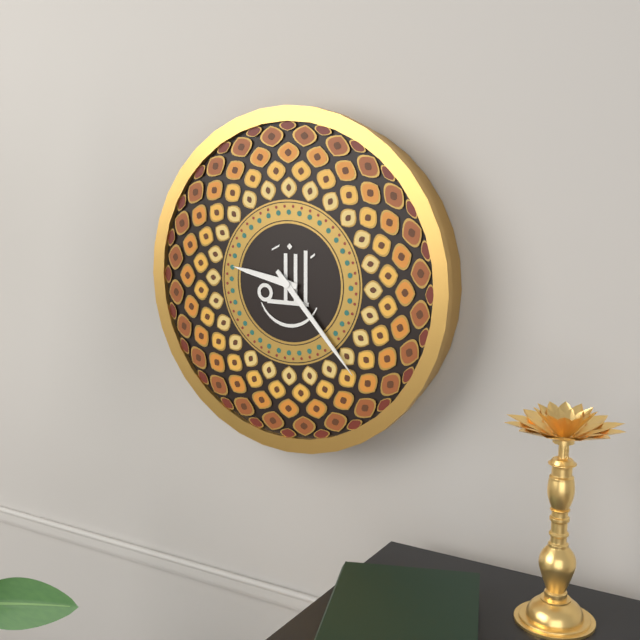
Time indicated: 9:23
